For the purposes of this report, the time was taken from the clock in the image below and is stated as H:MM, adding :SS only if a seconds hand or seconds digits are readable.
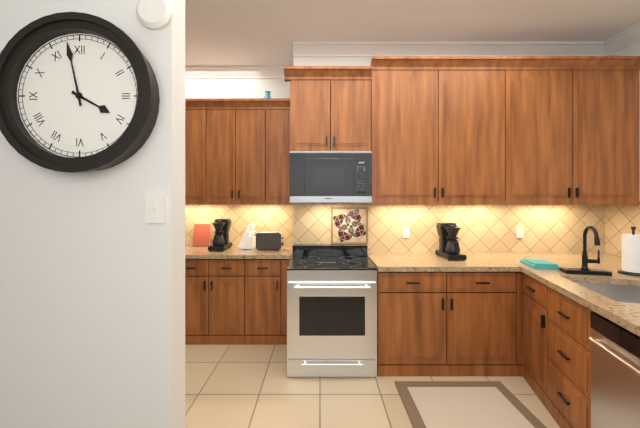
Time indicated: 3:58
